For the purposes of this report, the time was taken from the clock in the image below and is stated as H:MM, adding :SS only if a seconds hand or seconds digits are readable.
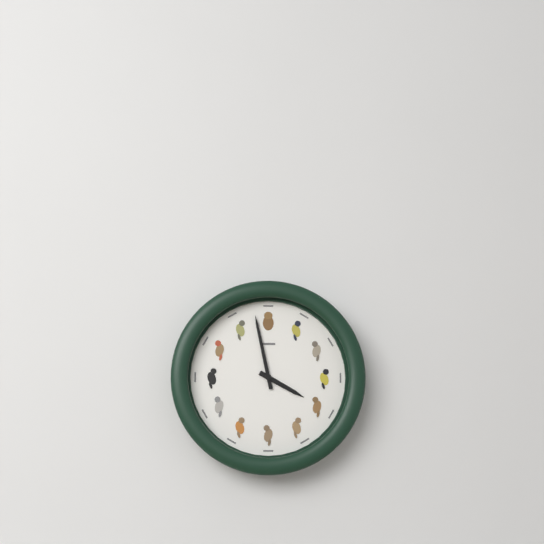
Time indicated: 3:58
